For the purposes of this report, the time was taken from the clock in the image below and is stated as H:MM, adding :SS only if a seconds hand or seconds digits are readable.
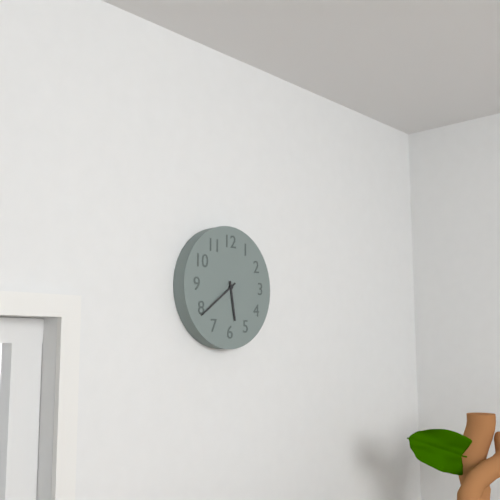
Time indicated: 5:39
